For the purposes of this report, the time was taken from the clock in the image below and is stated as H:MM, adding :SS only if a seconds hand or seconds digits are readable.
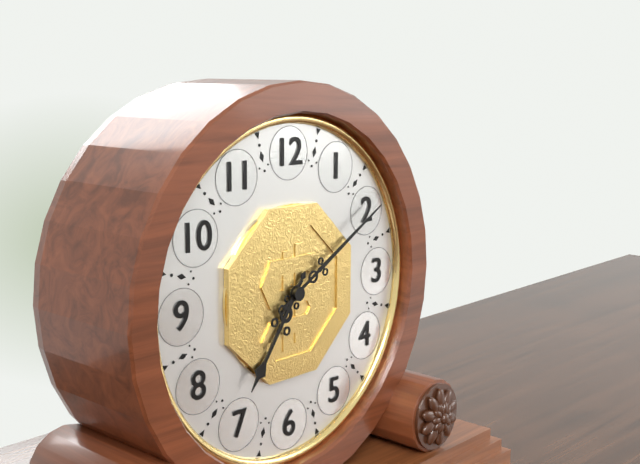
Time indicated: 7:10
